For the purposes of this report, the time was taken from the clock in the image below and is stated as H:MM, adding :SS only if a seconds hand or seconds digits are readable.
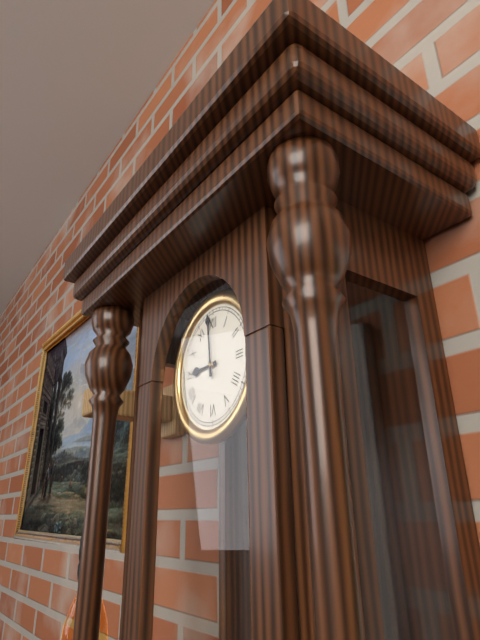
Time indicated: 8:59
